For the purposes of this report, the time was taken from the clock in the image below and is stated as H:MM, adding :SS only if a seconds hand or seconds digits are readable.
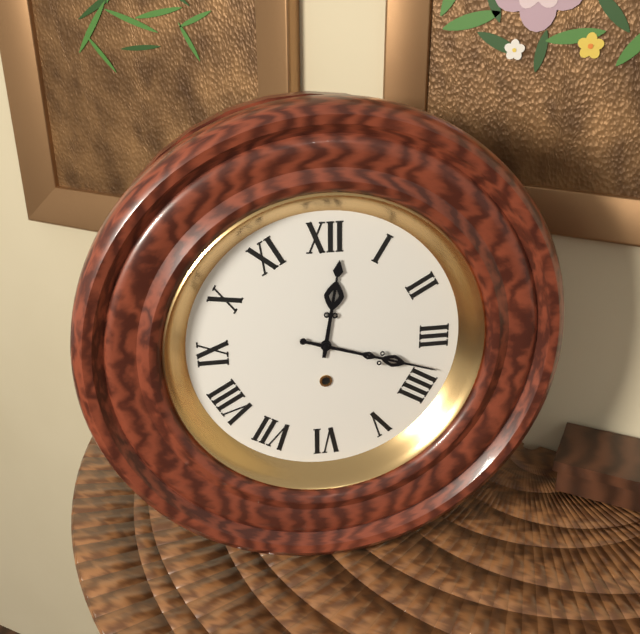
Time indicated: 12:18
